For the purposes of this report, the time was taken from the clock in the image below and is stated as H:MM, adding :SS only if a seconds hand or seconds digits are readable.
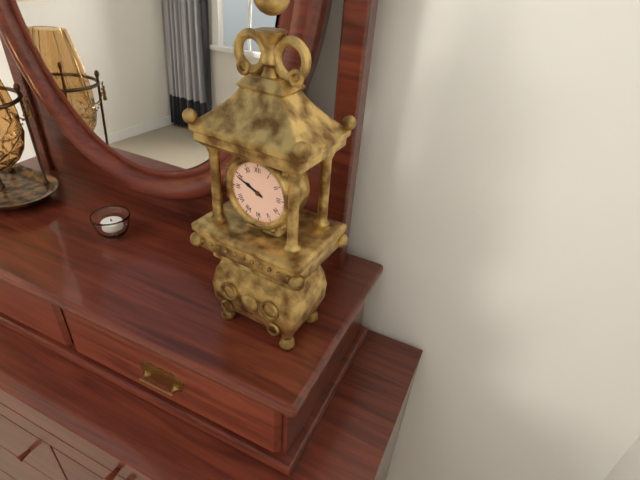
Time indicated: 9:49
